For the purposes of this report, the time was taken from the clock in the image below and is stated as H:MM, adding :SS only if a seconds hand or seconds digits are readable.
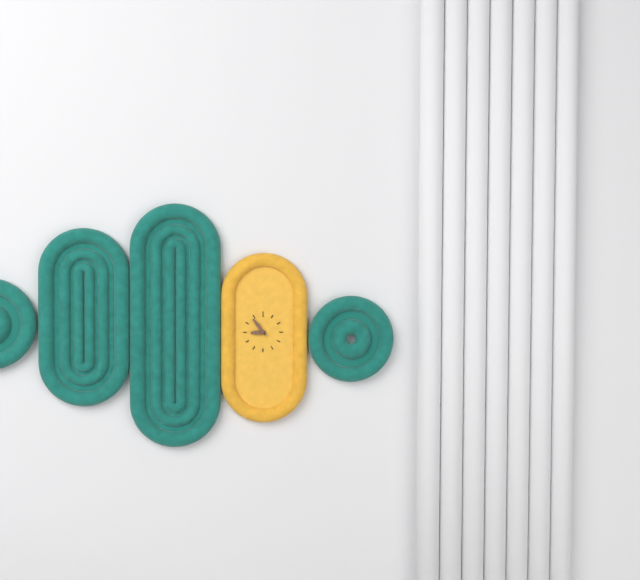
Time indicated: 8:54
